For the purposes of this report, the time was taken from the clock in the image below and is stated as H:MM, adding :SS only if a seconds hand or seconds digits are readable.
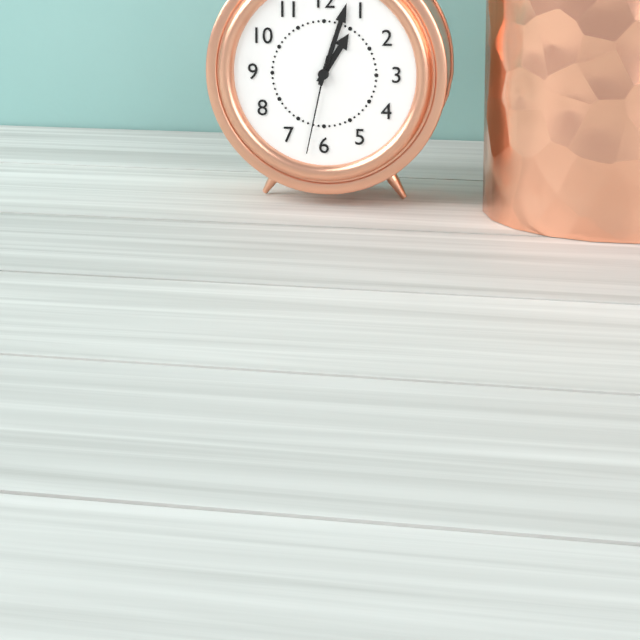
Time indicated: 1:03:32
